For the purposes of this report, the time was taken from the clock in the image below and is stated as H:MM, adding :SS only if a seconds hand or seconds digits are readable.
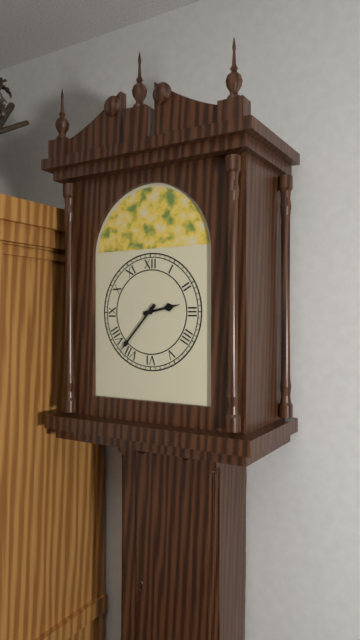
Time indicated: 2:37
